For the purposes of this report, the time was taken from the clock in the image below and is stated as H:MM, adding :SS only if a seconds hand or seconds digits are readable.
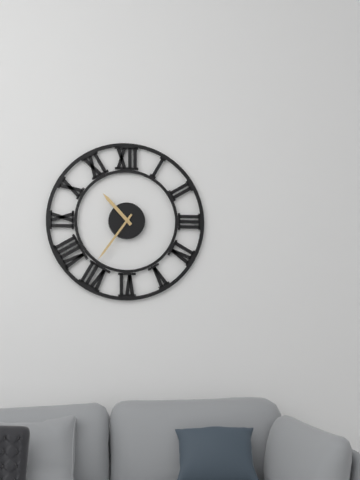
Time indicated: 10:36
